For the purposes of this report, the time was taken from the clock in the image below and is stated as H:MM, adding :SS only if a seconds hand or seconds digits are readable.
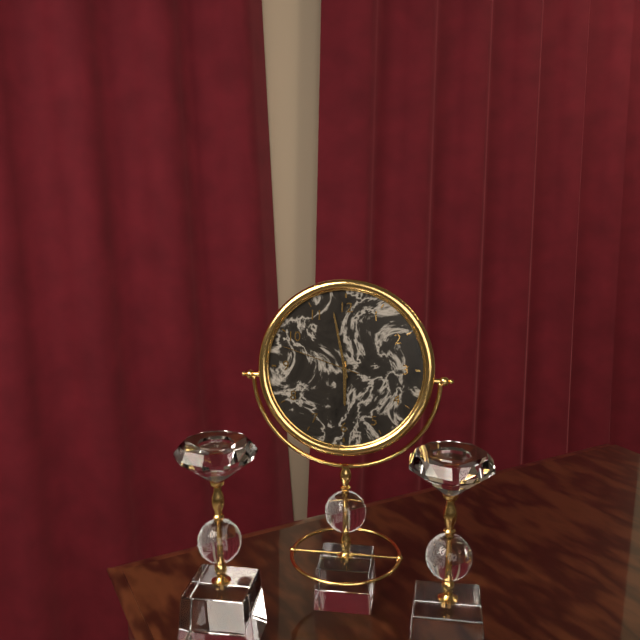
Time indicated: 5:58:48
